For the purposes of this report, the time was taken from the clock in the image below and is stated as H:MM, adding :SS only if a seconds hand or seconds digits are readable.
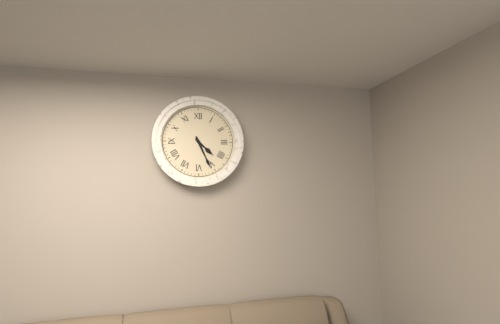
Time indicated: 4:26
